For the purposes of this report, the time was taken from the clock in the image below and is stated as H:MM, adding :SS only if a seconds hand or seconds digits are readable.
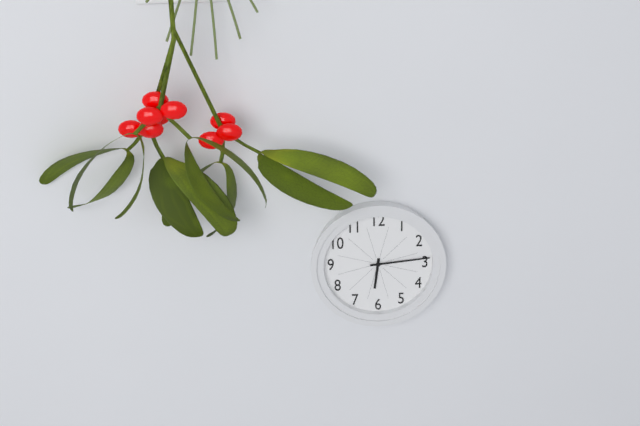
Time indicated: 6:14
